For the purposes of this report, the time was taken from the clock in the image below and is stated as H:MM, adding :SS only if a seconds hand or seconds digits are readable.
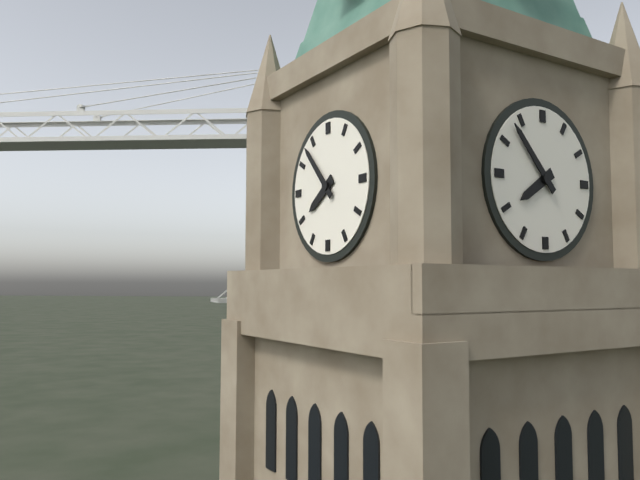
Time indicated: 7:53
